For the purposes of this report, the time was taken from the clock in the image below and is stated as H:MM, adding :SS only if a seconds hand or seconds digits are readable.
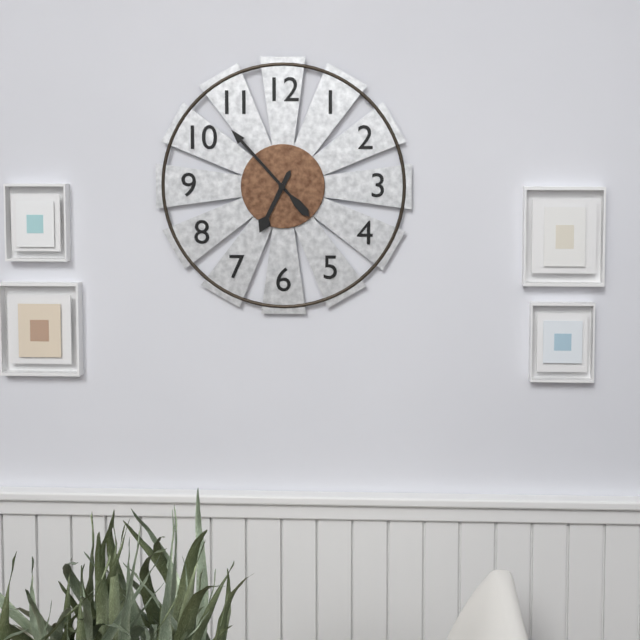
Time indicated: 6:53
